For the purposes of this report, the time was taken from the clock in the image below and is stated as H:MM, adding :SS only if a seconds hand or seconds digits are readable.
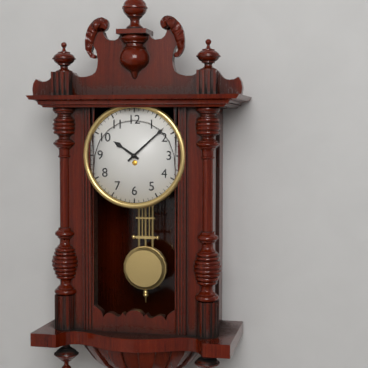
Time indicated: 10:08
